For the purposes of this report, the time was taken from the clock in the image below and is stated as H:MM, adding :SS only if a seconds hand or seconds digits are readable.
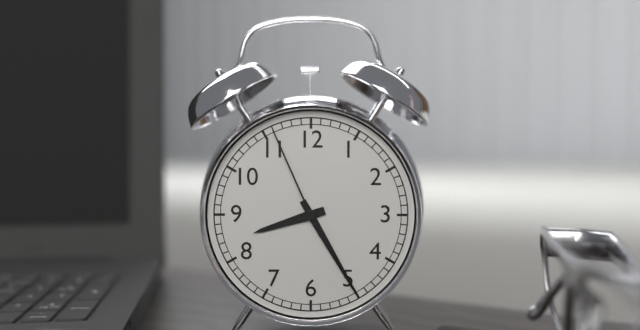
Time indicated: 8:25:56
